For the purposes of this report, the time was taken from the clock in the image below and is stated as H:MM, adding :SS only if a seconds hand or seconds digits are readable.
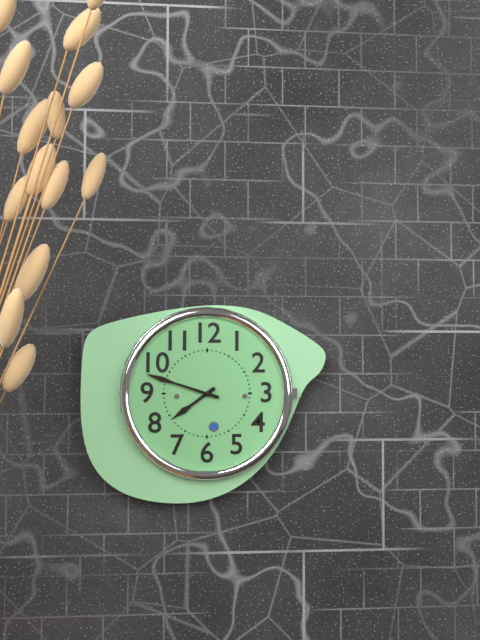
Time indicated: 7:48
